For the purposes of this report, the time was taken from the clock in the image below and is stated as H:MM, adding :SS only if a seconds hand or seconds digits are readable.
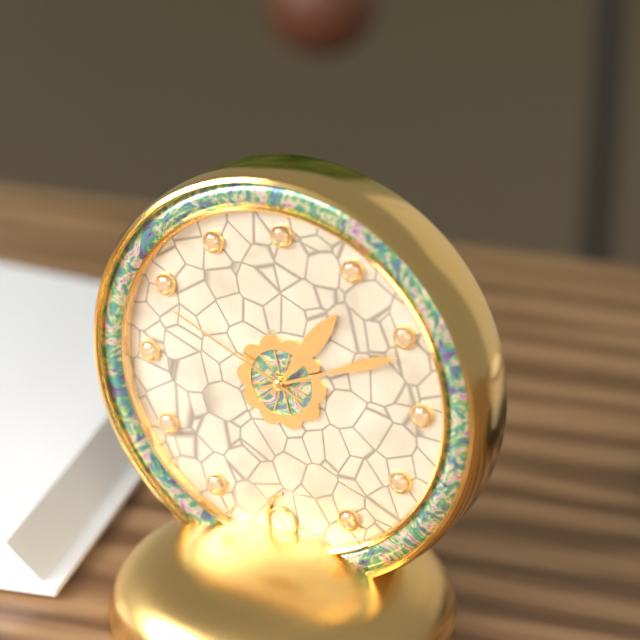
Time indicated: 1:11:49
